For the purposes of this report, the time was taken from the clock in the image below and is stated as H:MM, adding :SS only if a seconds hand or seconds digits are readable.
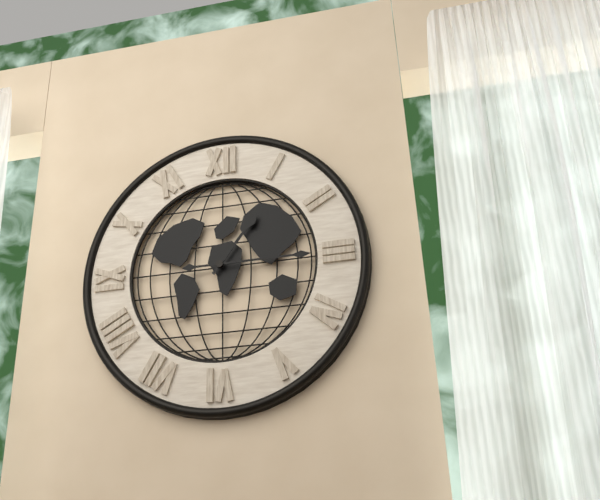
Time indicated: 1:15
